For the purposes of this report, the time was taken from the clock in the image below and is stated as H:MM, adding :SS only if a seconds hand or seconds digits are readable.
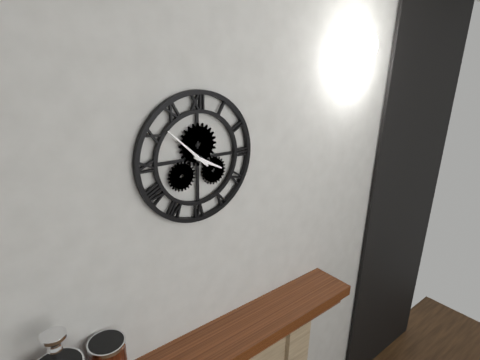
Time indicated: 3:52
